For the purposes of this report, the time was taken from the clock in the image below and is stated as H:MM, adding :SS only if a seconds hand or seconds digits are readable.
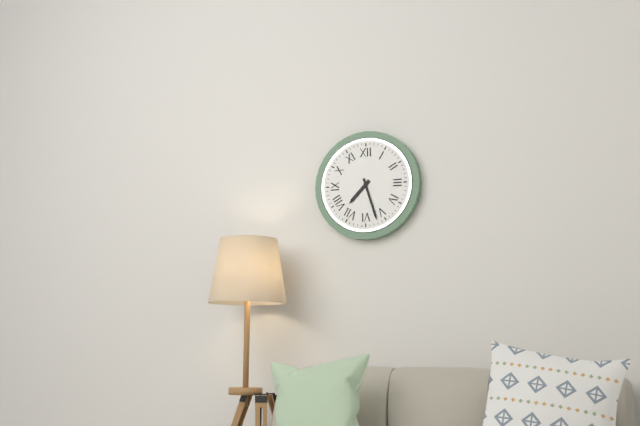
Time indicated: 7:27
